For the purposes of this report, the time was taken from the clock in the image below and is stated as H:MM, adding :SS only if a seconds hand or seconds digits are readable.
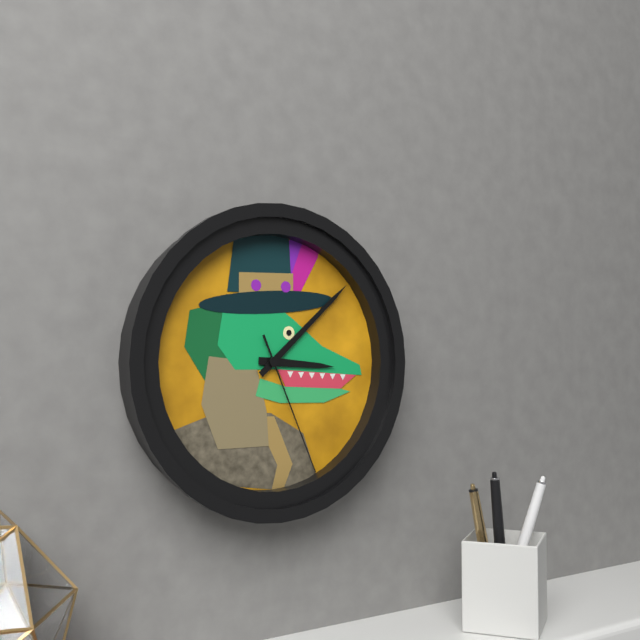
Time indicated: 3:08:26
